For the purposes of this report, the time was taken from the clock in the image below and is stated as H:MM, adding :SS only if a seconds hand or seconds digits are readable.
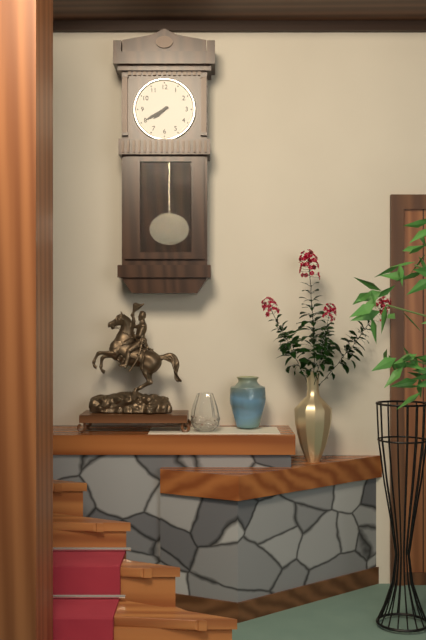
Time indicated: 7:40
